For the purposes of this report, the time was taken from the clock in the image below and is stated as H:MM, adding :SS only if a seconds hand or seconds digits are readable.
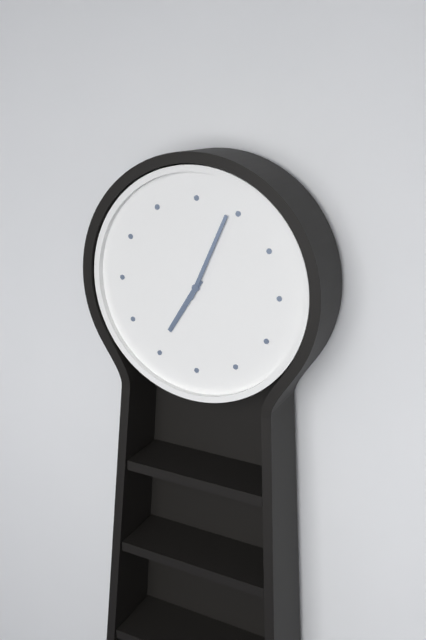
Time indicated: 7:04
